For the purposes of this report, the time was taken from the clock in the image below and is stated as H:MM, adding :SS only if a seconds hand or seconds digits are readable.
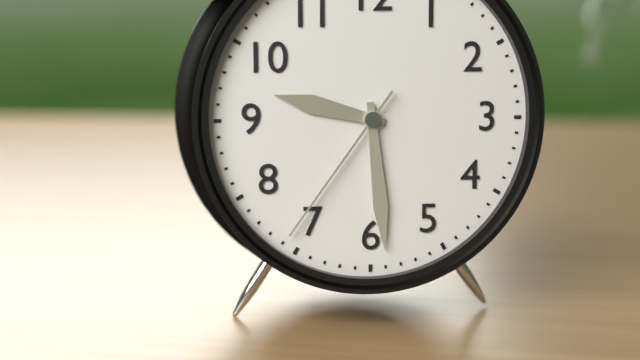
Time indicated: 9:29:36
